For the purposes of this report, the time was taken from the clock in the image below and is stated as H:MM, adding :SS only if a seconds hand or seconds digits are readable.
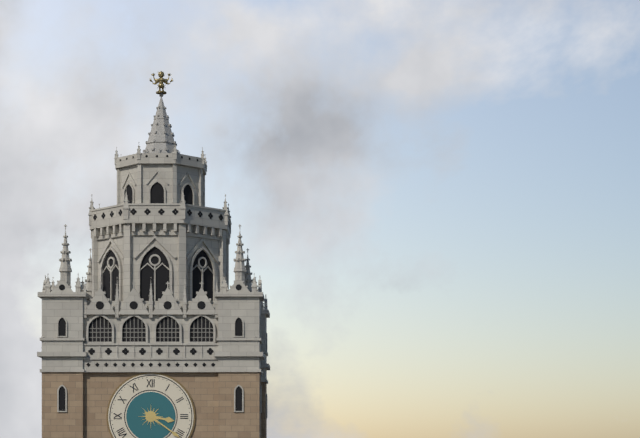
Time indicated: 3:21
